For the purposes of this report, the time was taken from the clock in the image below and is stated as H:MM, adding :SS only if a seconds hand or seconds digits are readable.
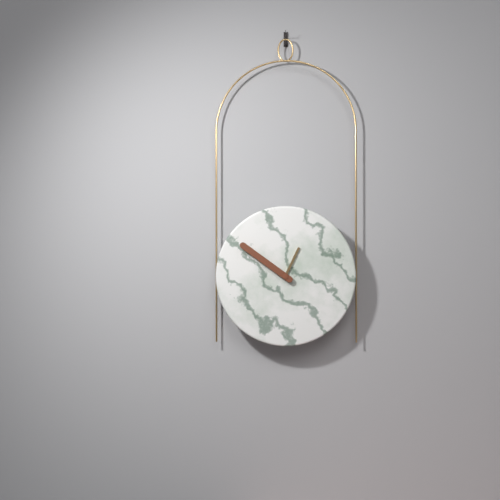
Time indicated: 12:51
